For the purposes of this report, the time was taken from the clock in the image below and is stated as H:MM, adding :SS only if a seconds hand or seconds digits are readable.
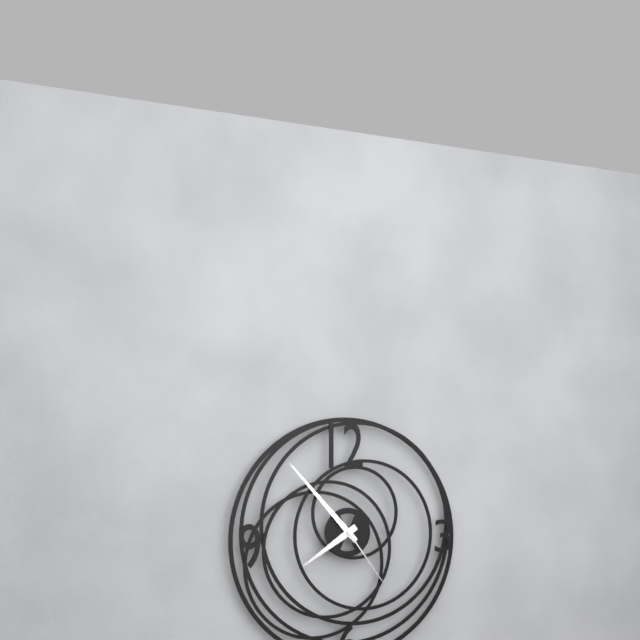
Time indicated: 7:53:24
